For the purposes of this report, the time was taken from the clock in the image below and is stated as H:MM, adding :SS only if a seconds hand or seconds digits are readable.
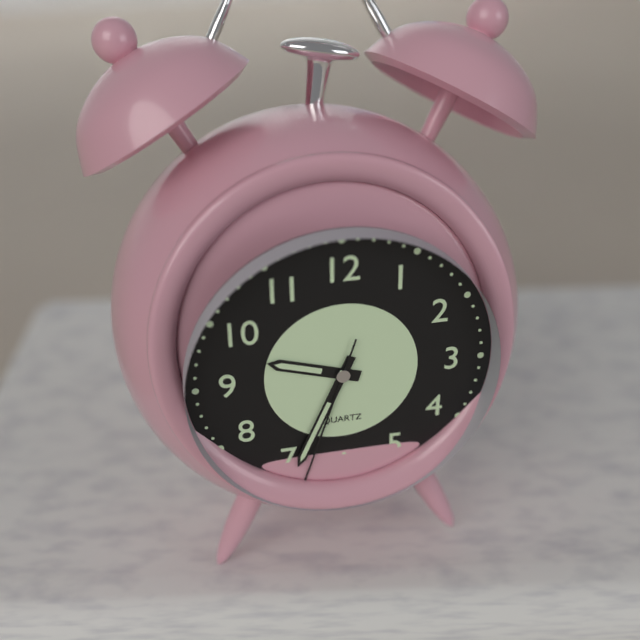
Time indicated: 9:34:33
